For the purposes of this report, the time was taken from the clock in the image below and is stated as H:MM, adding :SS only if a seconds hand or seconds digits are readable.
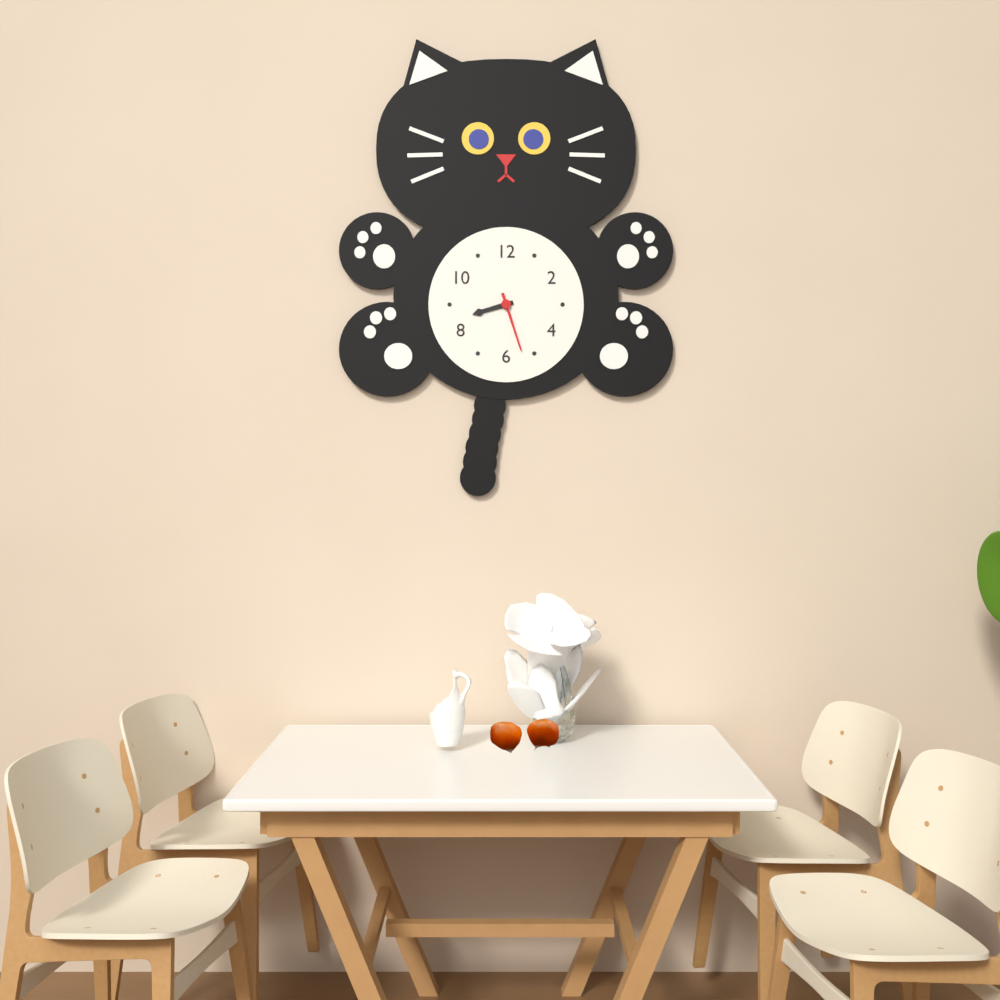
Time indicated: 8:27
